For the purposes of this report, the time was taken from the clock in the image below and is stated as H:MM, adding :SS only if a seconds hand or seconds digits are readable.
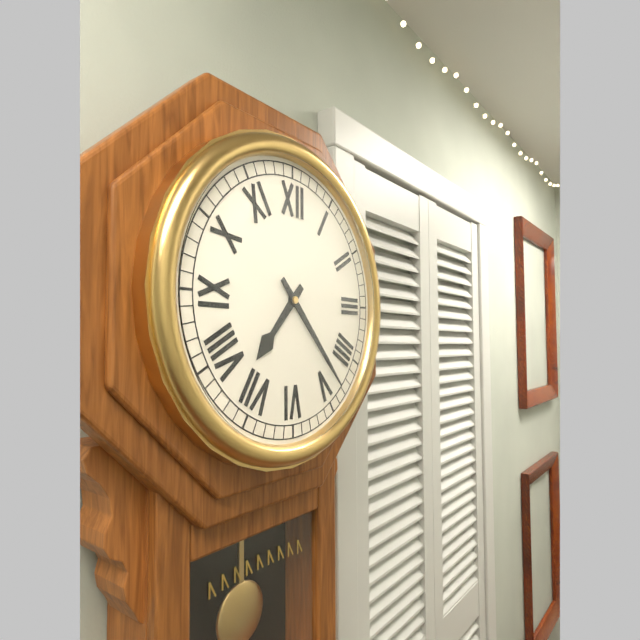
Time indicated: 7:23
